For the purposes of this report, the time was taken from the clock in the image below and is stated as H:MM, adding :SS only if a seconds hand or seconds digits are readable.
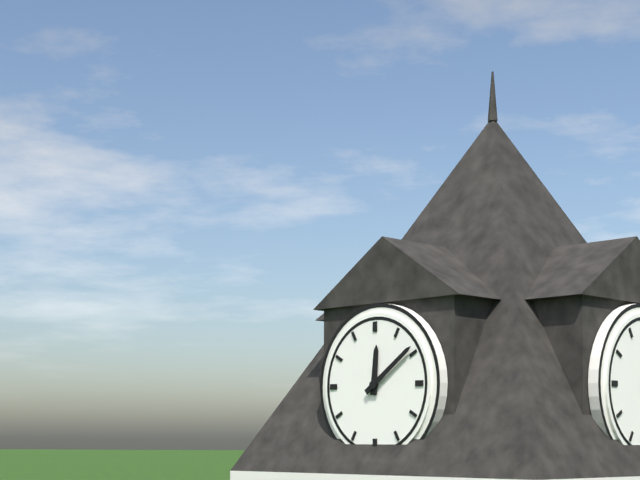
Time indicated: 12:09
